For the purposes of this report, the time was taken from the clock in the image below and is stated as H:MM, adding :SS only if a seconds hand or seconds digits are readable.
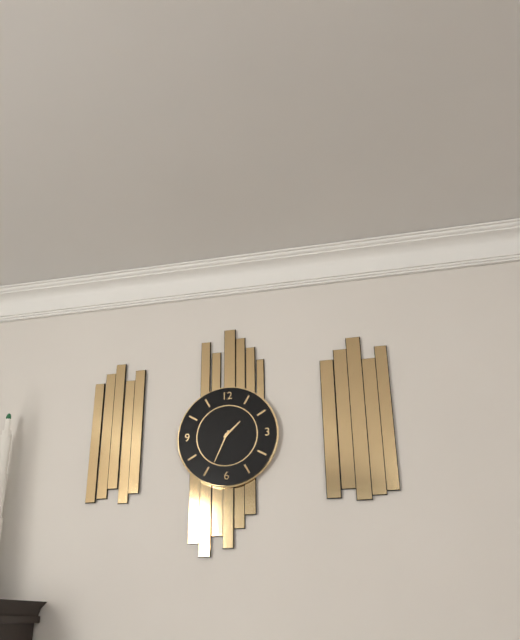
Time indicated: 1:34
